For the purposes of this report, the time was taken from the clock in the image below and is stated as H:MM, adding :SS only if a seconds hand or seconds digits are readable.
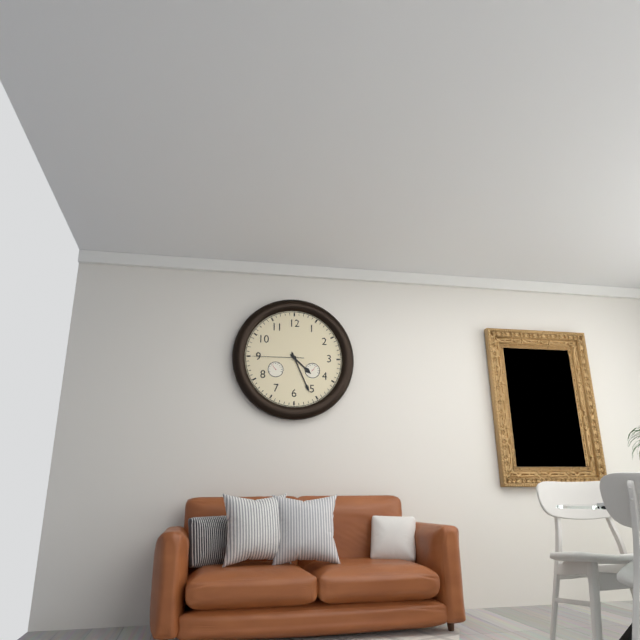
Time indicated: 4:26:45
